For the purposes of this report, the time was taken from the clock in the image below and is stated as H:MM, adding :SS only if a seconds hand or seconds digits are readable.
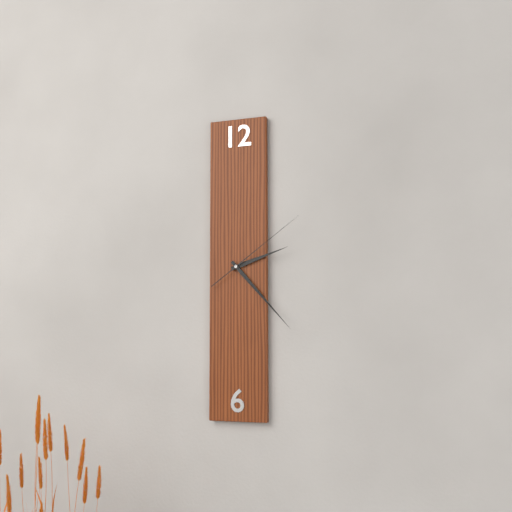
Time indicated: 2:23:09
